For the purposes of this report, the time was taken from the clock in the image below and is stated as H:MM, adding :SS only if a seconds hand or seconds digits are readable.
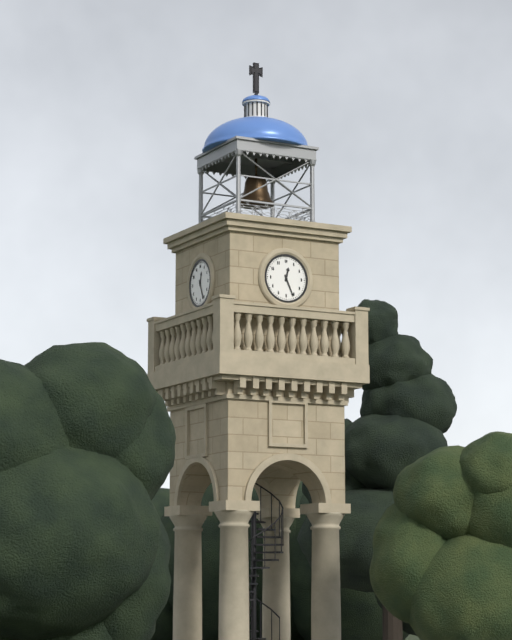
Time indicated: 12:26
